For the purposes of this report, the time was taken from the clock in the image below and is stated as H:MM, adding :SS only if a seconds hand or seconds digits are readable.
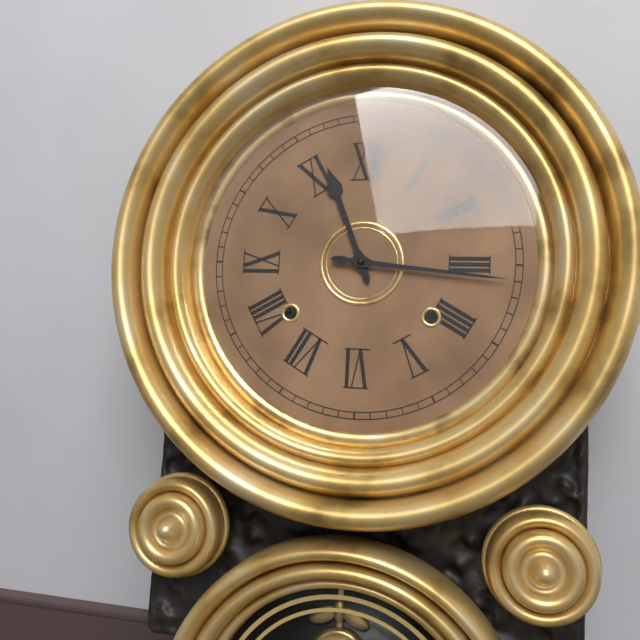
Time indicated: 11:16
